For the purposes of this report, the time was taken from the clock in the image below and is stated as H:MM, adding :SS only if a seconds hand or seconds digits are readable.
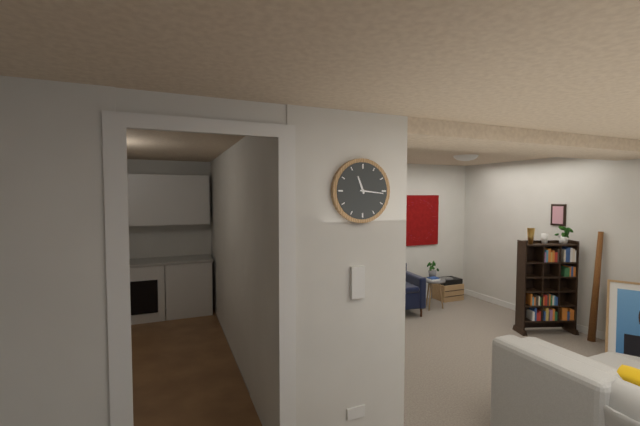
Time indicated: 11:16
